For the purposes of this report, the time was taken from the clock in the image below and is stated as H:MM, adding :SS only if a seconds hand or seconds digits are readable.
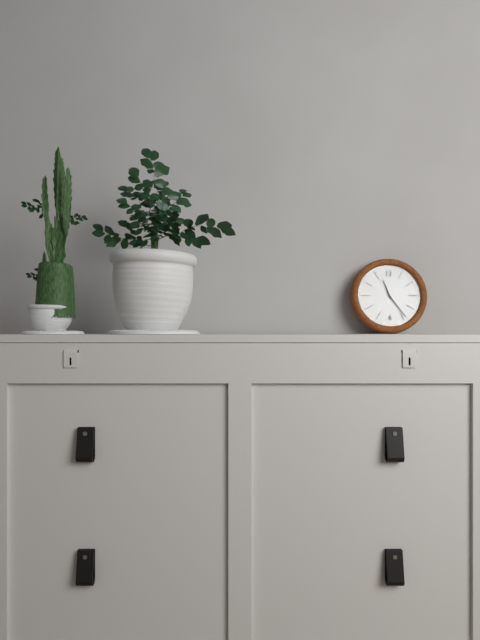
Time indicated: 11:24
